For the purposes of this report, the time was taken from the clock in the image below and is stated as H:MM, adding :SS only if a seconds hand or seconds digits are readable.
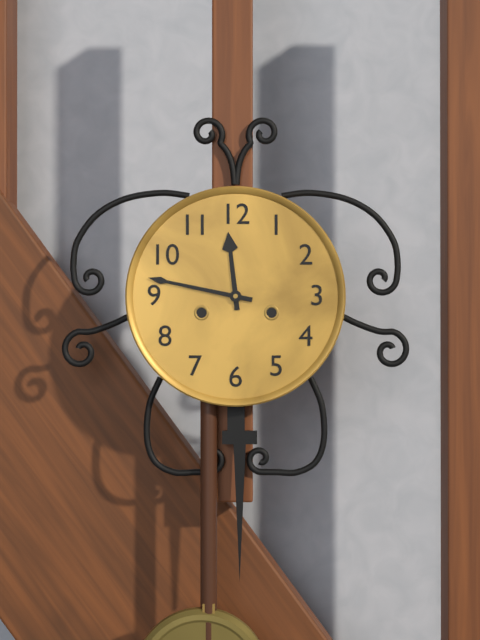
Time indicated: 11:47
